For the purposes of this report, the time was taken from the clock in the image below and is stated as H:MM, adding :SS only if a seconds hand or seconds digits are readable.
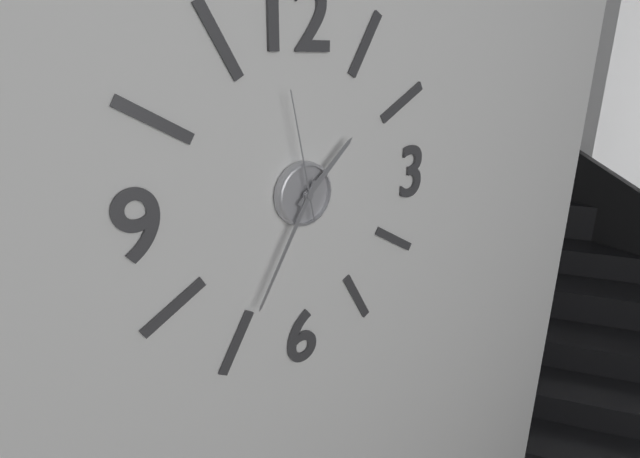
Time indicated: 1:35:58
